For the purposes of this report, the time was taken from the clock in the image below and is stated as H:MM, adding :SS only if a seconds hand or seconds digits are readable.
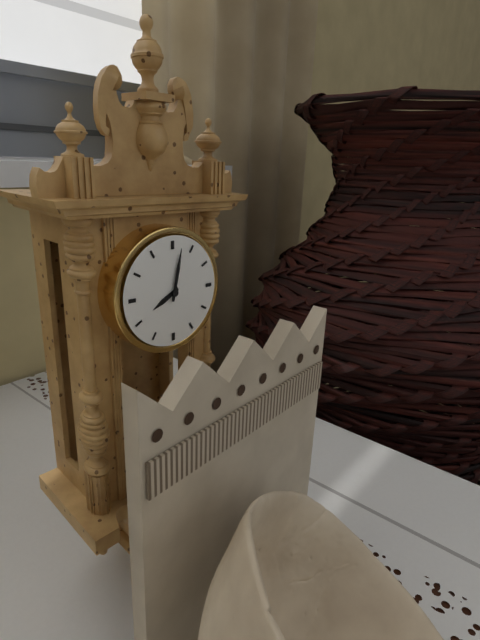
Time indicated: 8:02
